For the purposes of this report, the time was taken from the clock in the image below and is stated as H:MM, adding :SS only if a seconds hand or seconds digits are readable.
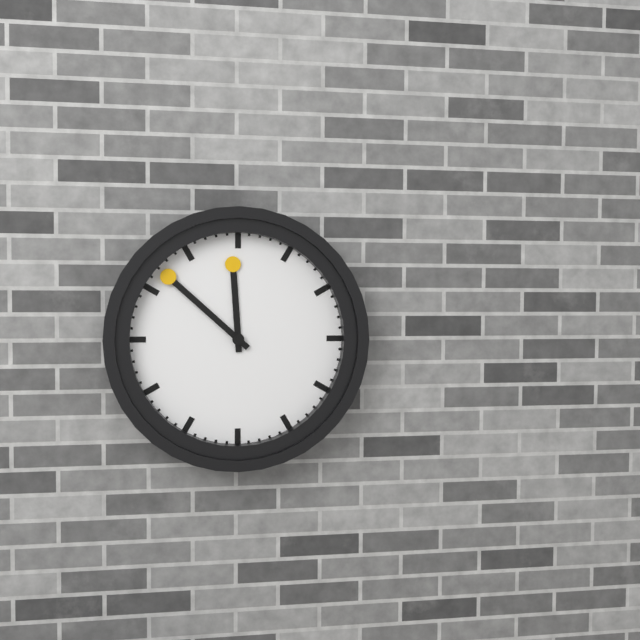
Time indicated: 11:52
